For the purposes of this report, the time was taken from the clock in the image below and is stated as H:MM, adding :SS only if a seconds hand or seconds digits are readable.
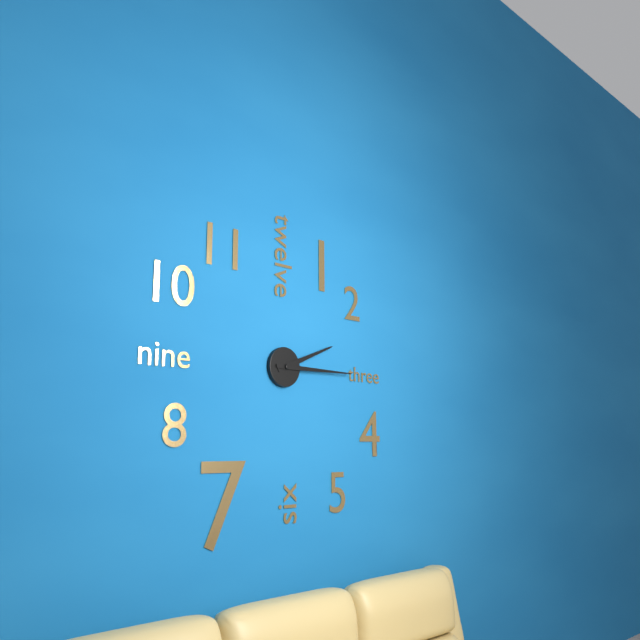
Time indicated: 2:15
